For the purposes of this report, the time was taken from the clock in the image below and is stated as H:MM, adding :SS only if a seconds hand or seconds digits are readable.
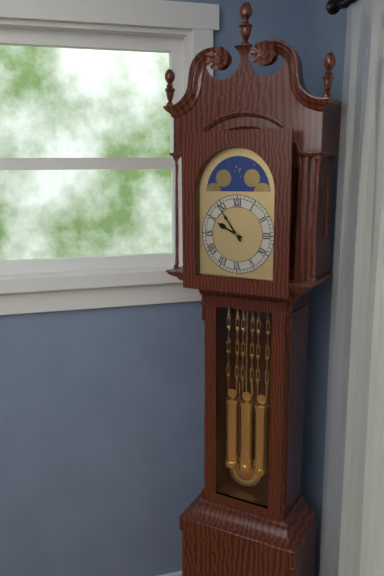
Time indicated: 9:54
